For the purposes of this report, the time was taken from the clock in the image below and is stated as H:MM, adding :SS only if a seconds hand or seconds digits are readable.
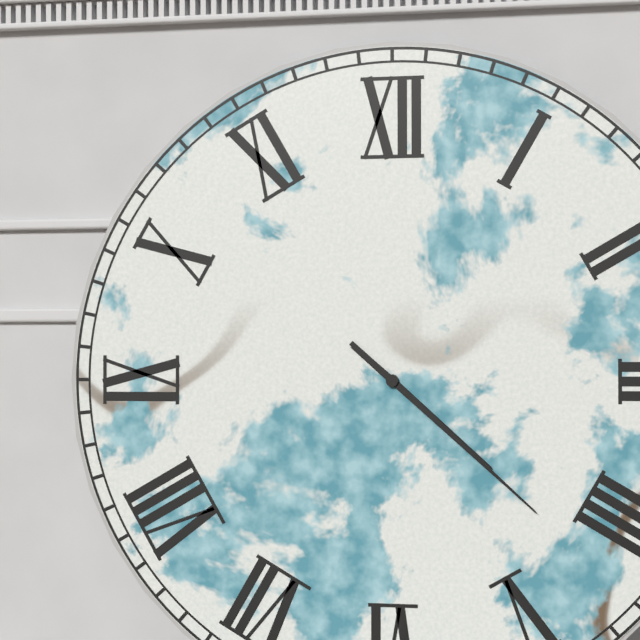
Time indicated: 4:22
